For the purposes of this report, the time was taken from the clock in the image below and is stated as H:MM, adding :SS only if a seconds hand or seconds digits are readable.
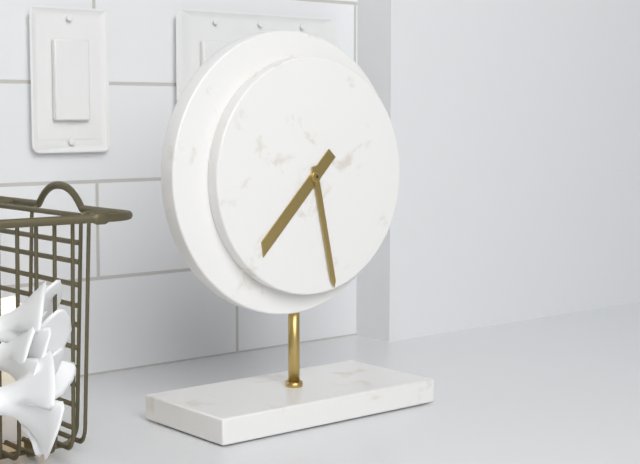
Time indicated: 7:28
